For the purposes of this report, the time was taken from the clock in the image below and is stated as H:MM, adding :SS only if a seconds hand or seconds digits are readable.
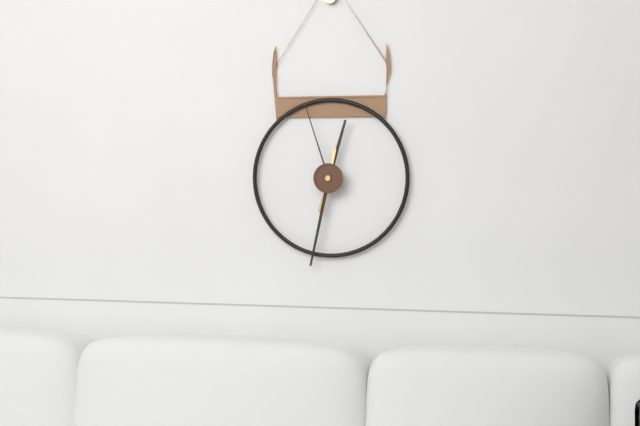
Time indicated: 12:32:57
